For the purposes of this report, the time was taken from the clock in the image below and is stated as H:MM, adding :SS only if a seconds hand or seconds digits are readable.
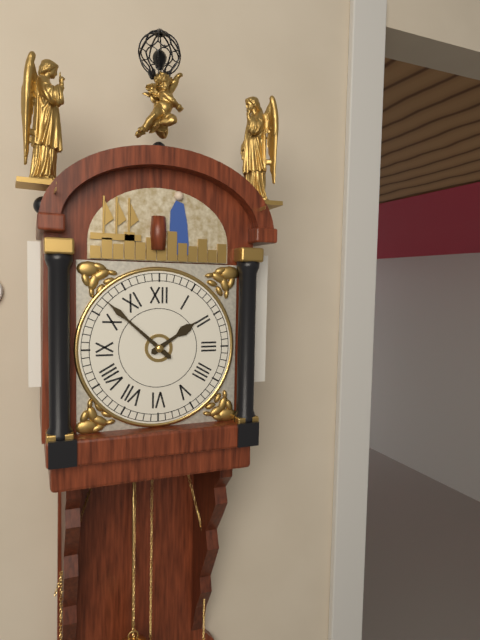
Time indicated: 1:52
